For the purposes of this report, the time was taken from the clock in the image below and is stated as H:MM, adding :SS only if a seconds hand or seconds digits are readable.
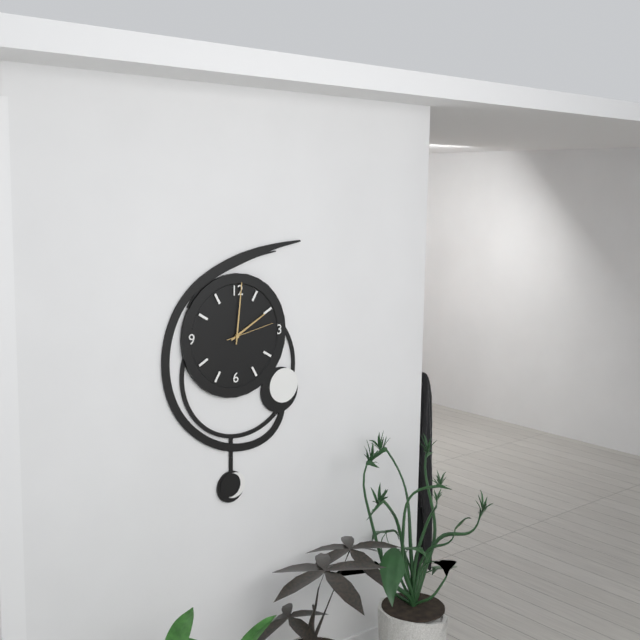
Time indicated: 2:01
